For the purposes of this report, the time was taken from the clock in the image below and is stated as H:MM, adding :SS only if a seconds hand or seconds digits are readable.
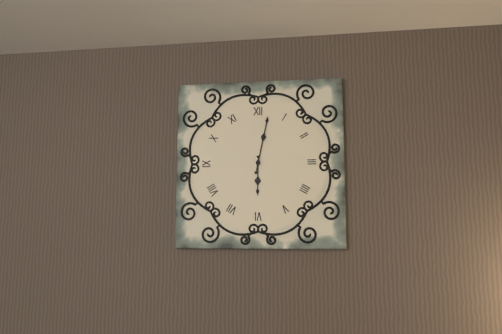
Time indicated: 6:02
